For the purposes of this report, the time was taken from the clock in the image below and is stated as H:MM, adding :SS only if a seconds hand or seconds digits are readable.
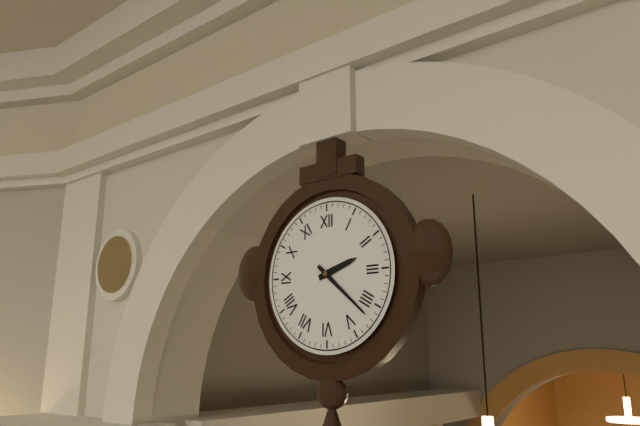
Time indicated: 2:22
